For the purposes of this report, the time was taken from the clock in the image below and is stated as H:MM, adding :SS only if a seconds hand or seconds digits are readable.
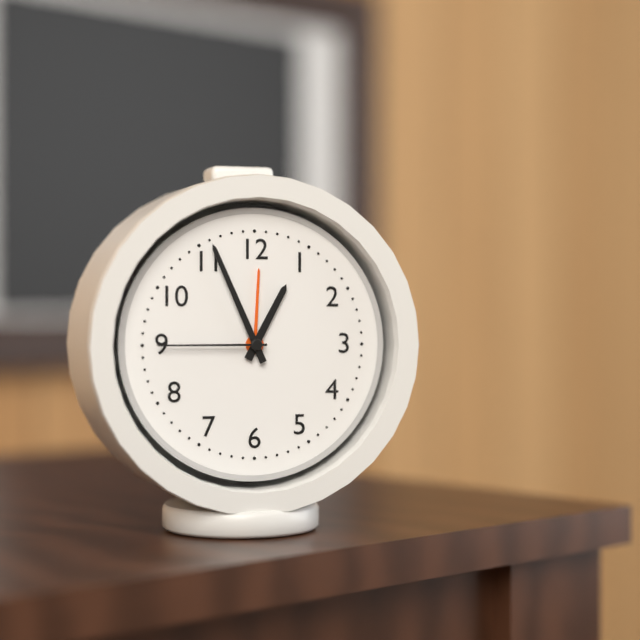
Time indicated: 12:56:45
